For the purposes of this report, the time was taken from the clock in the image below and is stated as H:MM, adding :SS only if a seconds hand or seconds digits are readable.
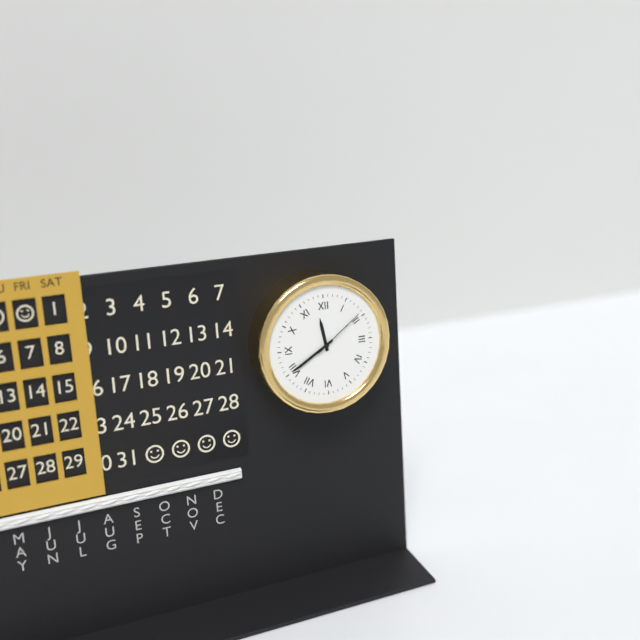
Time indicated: 11:40:09
